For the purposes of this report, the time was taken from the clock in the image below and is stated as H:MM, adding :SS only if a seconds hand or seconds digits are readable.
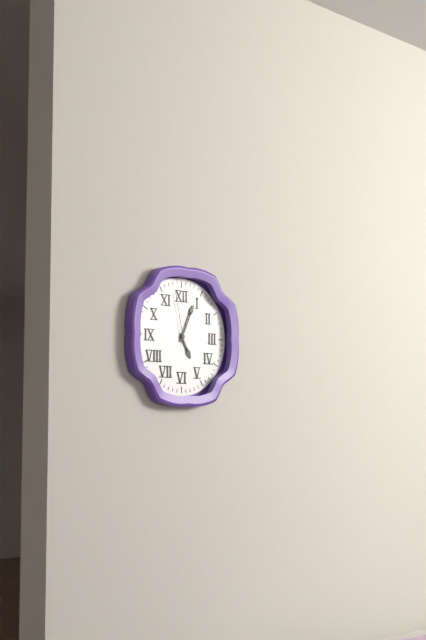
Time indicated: 5:04:58
